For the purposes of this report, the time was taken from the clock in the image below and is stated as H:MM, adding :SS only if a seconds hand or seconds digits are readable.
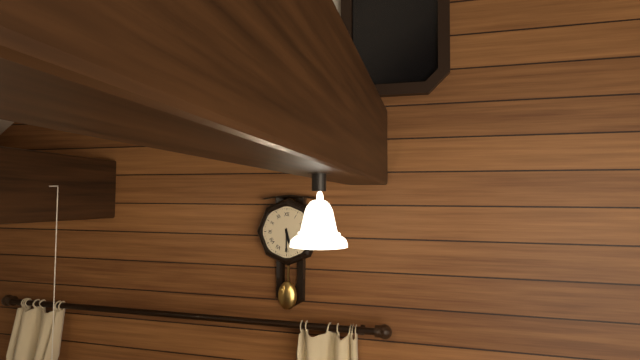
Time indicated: 5:30
